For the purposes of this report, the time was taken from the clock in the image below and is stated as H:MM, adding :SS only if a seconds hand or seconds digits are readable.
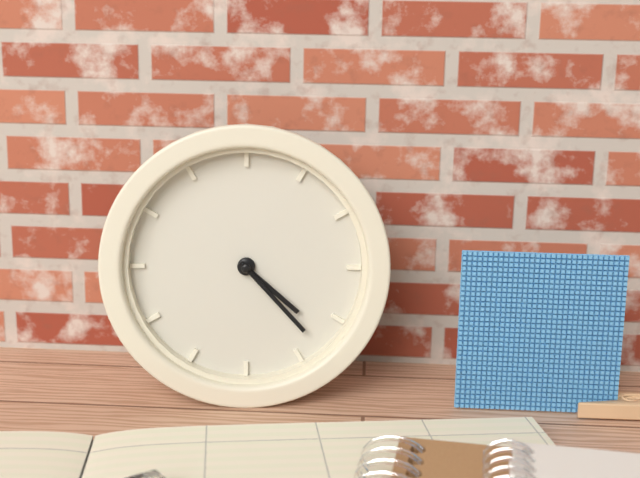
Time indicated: 4:23
